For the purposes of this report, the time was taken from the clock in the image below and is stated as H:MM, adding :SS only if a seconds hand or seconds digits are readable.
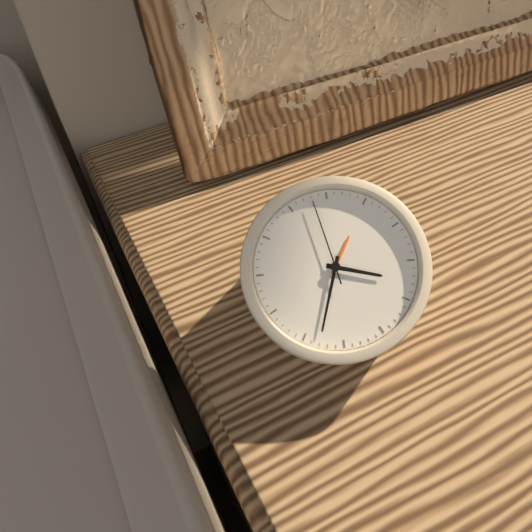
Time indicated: 3:33:58
